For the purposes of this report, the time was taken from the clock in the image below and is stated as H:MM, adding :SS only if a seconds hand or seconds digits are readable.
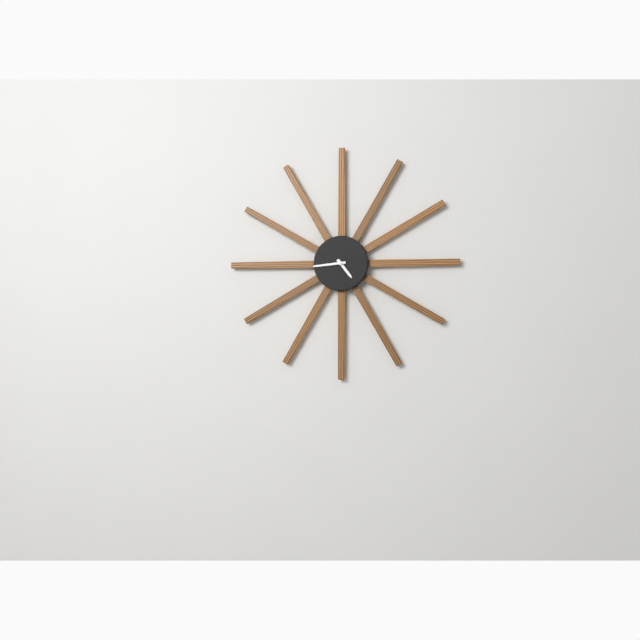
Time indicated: 4:44
